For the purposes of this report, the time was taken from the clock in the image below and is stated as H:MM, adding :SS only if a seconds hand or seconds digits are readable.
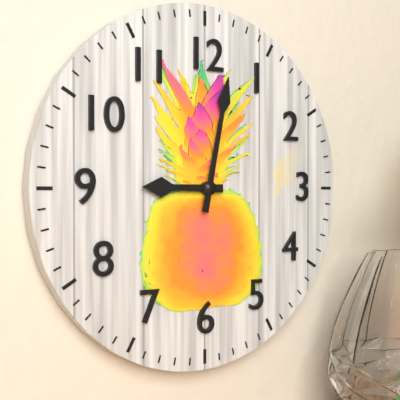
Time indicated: 9:02
